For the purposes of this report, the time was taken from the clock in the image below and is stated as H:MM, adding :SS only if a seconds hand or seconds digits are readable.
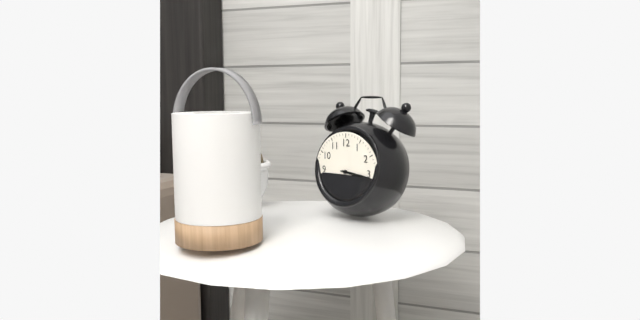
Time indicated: 3:16
